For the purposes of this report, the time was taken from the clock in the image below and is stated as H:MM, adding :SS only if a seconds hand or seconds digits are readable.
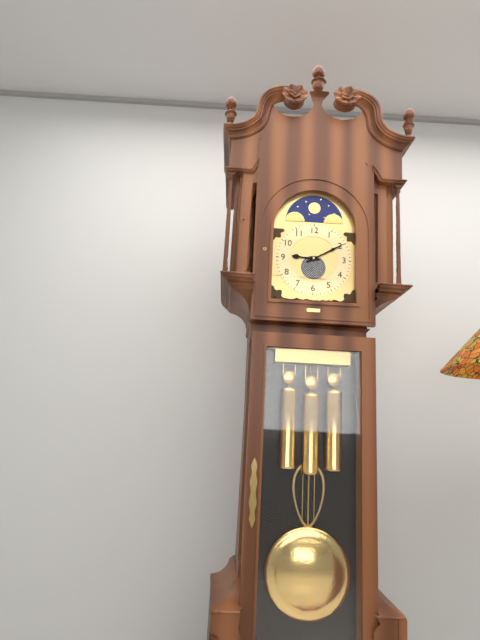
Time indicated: 9:10
